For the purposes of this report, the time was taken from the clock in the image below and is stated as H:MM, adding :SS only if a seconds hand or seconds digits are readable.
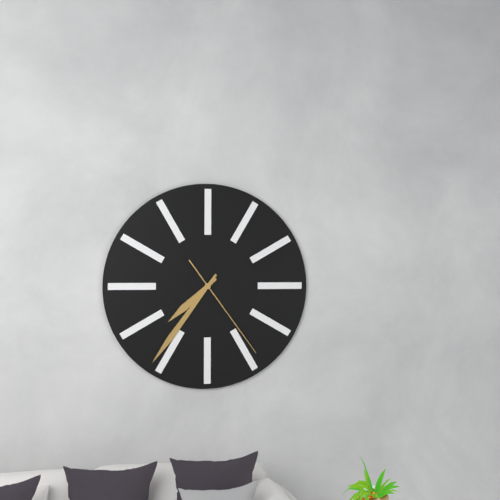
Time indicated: 7:36:24
